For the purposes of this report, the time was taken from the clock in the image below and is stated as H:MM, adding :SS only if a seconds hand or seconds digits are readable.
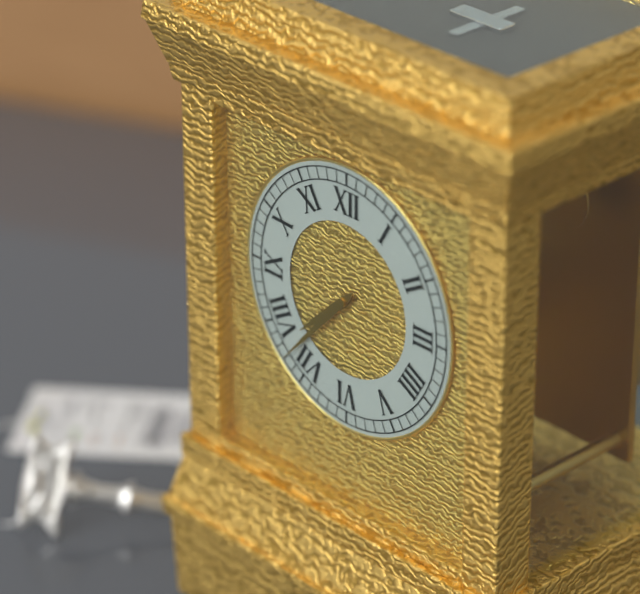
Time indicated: 7:37
